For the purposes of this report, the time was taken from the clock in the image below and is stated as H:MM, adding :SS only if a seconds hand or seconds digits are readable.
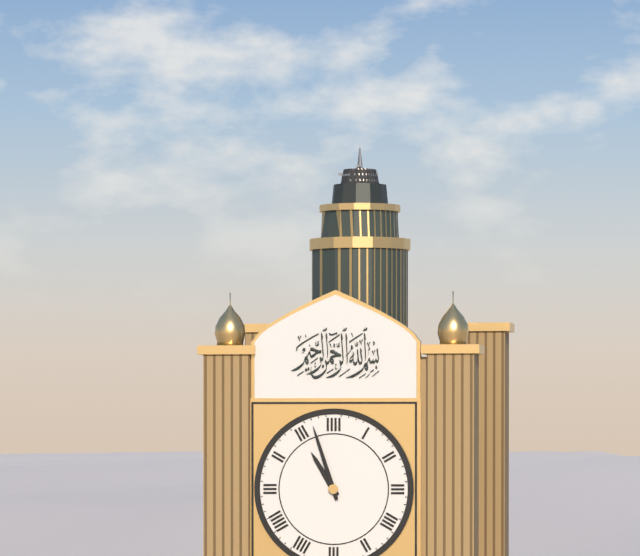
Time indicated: 10:57
